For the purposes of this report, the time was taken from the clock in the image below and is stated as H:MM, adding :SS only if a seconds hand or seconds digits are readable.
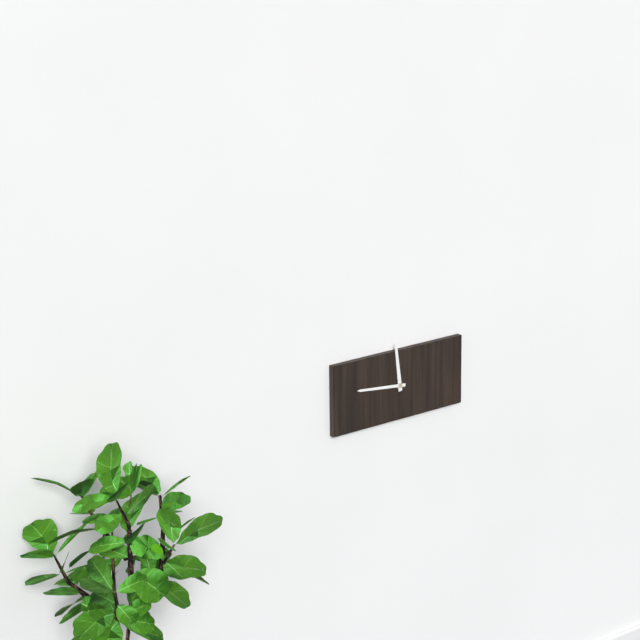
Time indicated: 11:46
